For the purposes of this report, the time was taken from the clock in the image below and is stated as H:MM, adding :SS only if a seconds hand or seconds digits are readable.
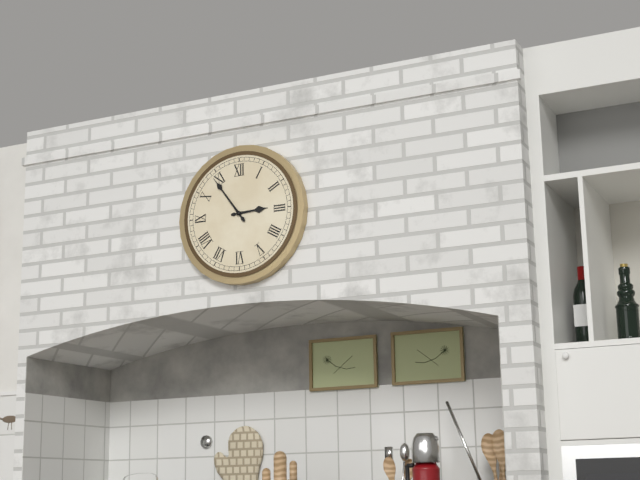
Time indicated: 2:54
